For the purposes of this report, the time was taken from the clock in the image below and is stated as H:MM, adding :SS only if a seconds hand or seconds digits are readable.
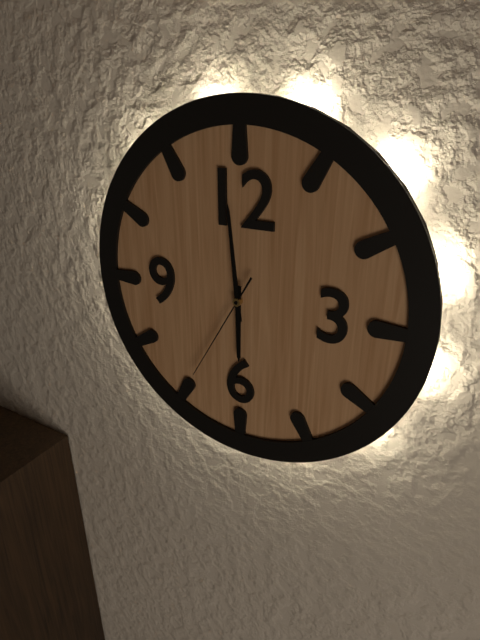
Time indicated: 5:59:35
